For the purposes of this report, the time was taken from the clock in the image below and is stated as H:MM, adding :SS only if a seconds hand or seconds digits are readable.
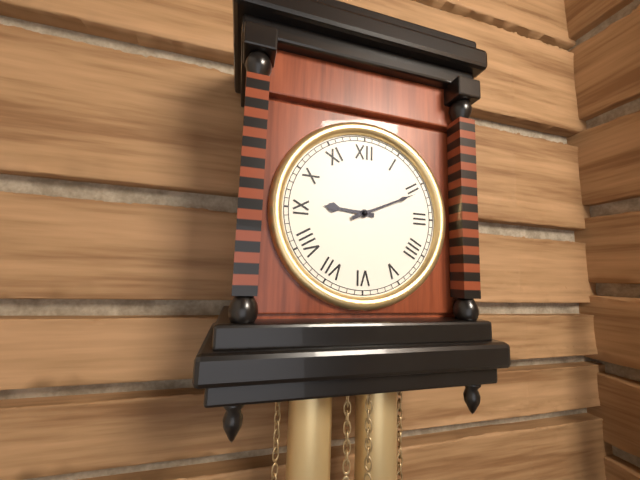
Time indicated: 9:11
